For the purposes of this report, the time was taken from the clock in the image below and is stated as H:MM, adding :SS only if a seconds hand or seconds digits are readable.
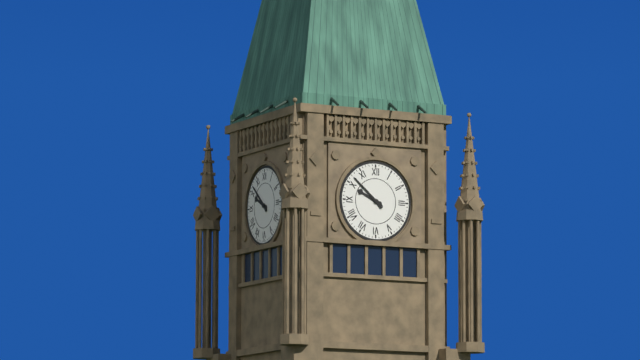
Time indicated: 9:52
